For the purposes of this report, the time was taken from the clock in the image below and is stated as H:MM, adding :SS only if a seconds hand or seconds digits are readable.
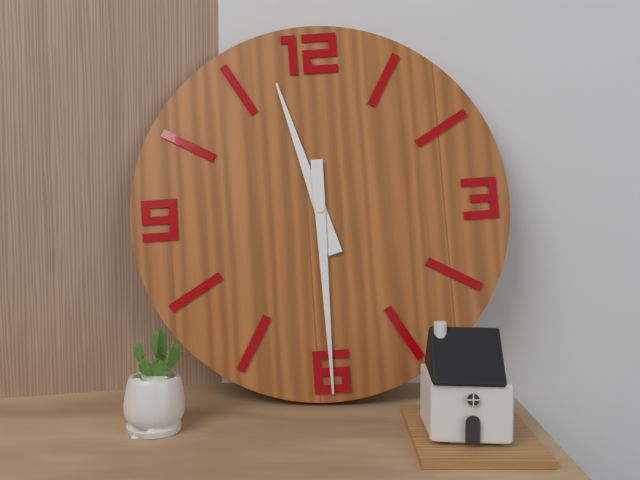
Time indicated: 11:30
